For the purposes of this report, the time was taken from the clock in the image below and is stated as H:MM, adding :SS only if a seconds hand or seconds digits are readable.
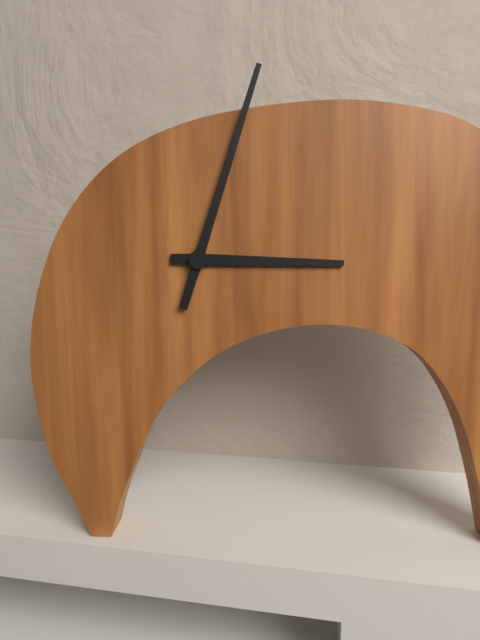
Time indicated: 3:03
